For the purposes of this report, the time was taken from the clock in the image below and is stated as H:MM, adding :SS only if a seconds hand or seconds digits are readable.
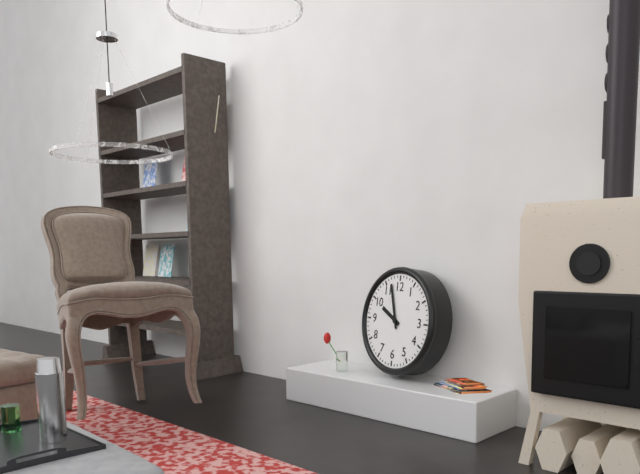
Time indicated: 9:57
